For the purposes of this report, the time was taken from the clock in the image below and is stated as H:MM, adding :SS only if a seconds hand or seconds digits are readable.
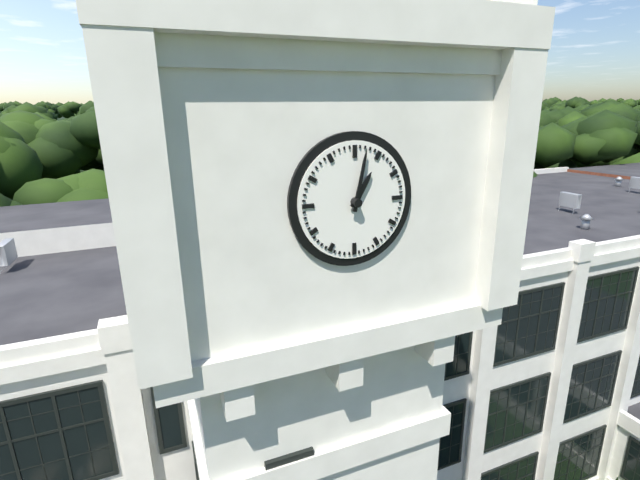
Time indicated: 1:02
